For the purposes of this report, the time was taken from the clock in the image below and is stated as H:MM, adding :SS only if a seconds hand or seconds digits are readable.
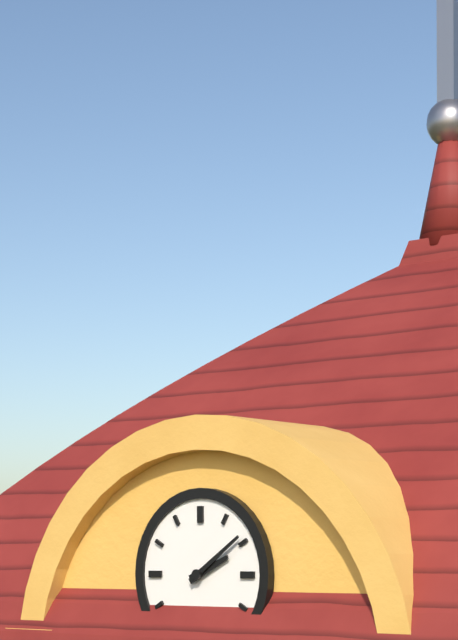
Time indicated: 2:09
